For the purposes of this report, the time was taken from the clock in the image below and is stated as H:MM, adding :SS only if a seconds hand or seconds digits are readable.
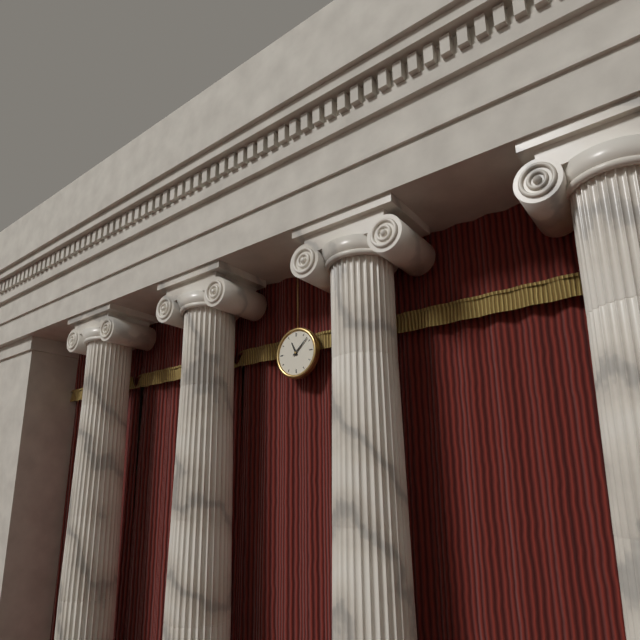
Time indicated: 11:08
